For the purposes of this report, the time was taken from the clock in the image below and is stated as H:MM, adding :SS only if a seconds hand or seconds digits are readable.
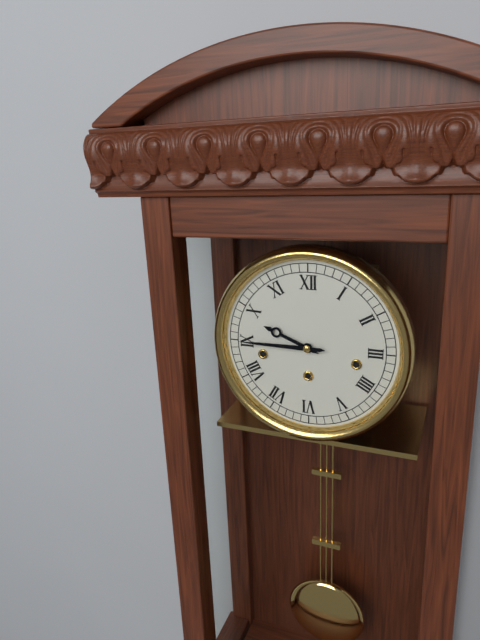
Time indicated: 9:45
